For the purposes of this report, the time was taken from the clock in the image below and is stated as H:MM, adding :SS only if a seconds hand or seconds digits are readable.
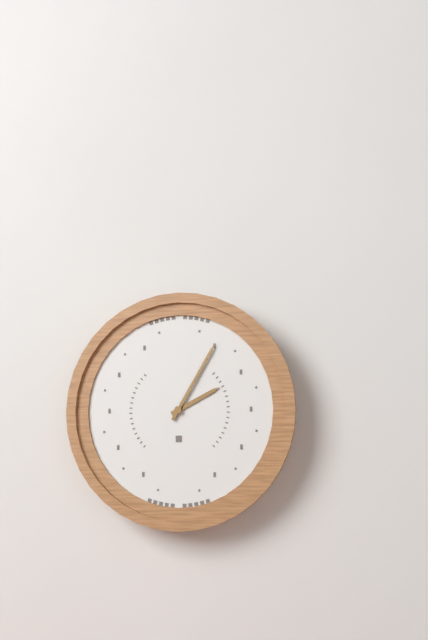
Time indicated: 2:05
